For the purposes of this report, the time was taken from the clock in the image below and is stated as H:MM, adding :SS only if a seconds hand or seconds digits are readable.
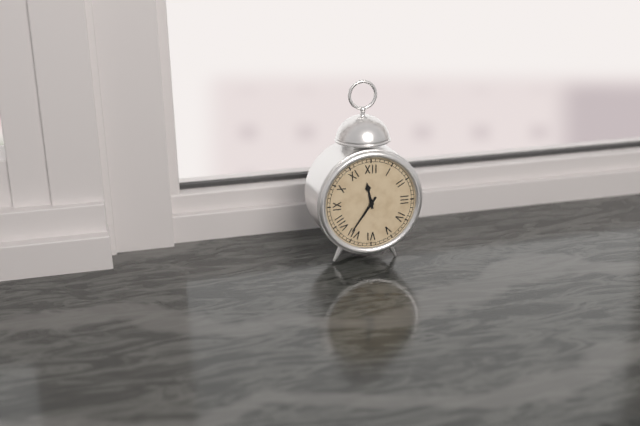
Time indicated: 11:36
